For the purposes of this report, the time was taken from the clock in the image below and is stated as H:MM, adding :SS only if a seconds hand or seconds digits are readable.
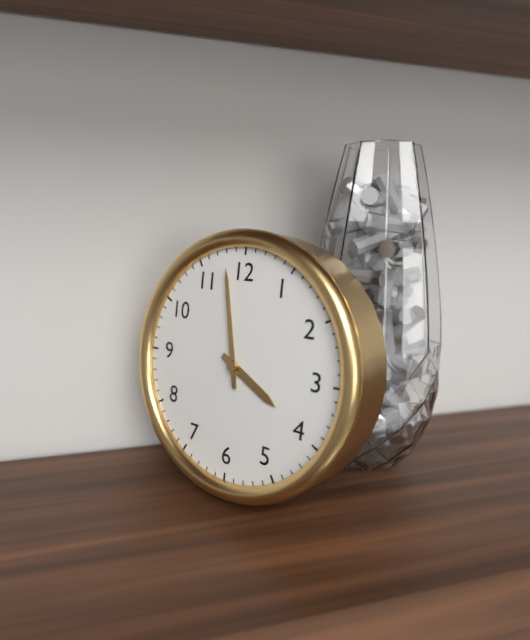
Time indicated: 3:58
